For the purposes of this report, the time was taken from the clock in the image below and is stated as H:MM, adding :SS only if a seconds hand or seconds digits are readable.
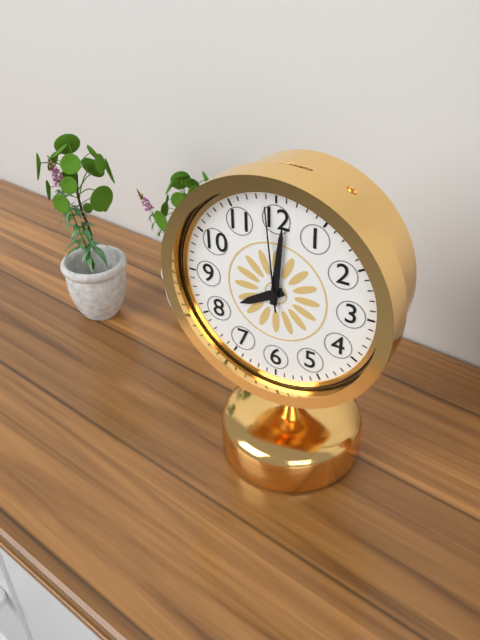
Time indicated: 8:01:59
